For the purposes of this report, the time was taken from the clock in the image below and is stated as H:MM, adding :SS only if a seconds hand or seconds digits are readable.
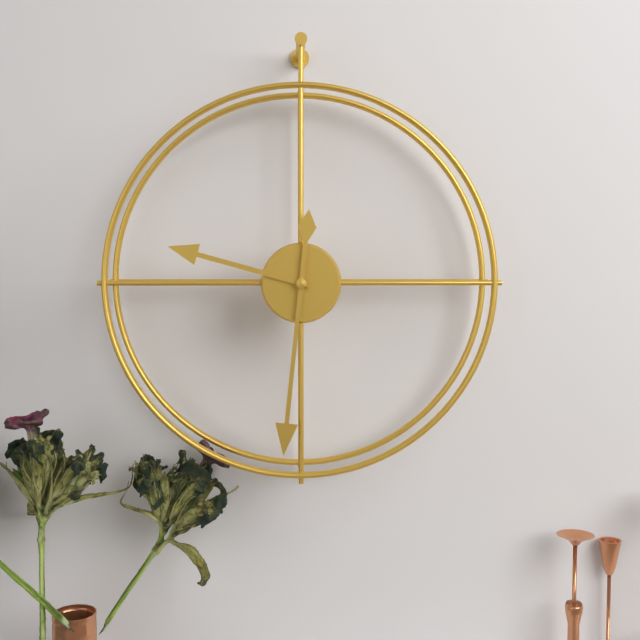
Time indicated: 9:31
